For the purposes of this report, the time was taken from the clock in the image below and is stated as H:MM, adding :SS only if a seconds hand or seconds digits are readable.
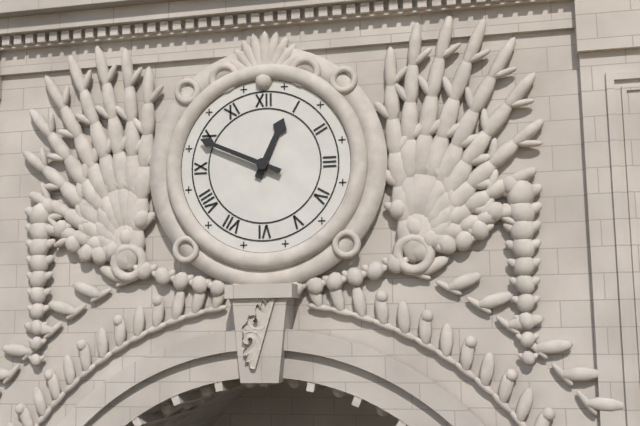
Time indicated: 12:49
